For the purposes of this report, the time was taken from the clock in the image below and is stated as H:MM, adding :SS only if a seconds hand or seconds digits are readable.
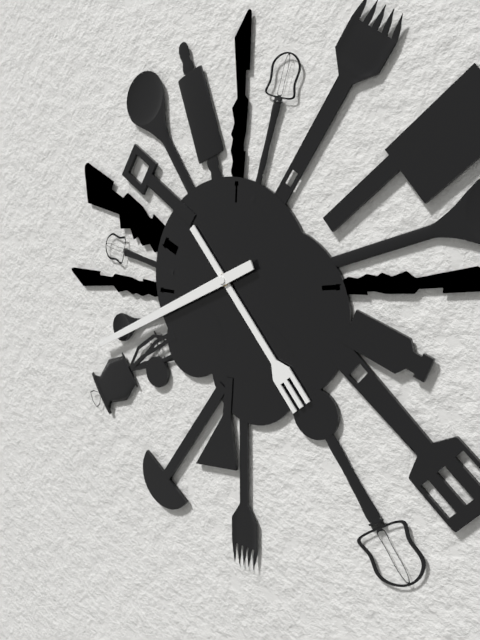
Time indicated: 4:41
